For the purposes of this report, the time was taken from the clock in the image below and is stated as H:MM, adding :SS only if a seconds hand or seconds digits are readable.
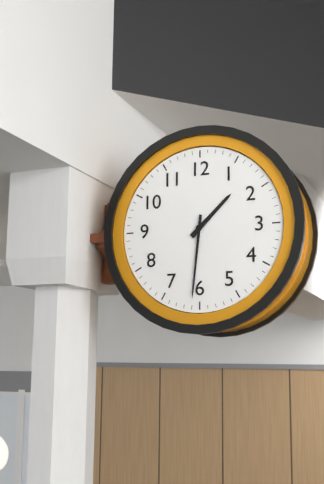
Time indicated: 1:31
